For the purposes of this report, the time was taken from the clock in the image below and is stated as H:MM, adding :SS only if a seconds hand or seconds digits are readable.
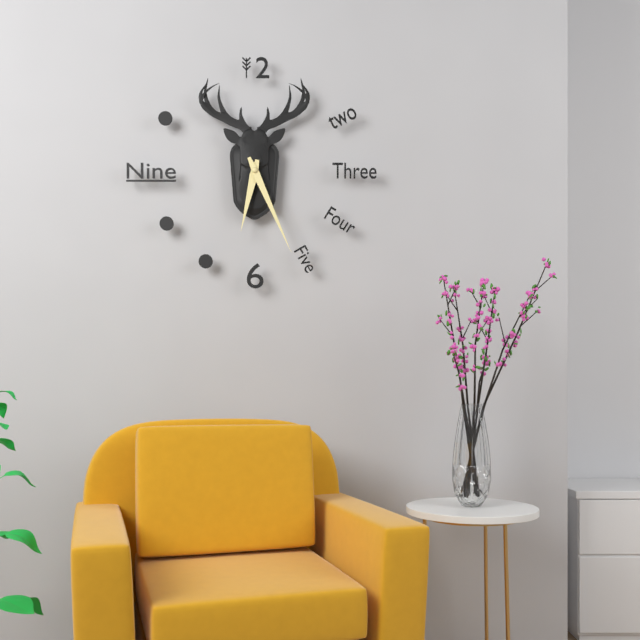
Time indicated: 6:26
